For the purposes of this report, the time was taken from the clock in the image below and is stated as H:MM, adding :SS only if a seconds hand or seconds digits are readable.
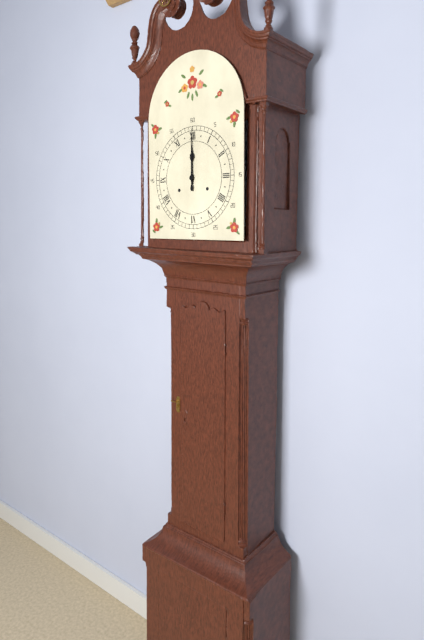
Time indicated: 12:00
